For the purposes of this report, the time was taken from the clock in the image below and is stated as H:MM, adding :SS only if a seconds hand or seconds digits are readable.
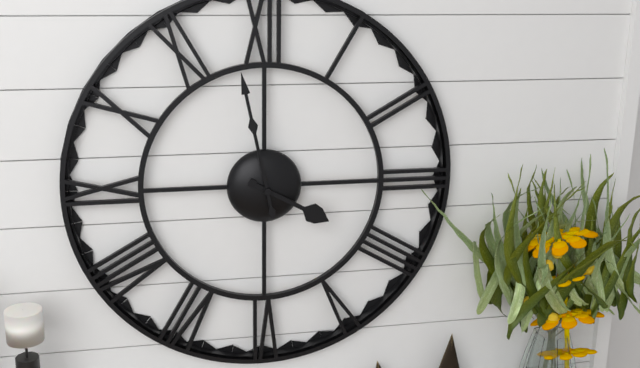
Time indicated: 3:58
